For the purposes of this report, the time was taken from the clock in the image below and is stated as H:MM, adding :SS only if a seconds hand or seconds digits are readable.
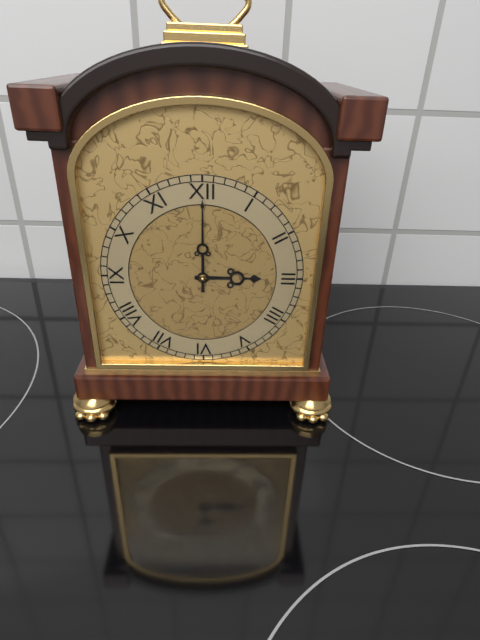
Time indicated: 3:00
